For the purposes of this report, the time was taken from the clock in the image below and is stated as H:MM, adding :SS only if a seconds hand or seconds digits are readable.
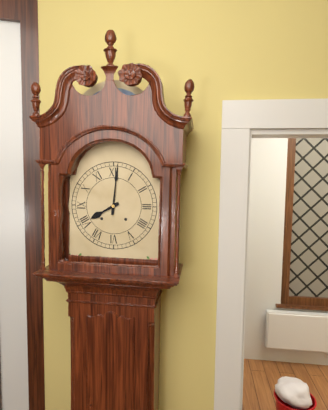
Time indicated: 8:01
